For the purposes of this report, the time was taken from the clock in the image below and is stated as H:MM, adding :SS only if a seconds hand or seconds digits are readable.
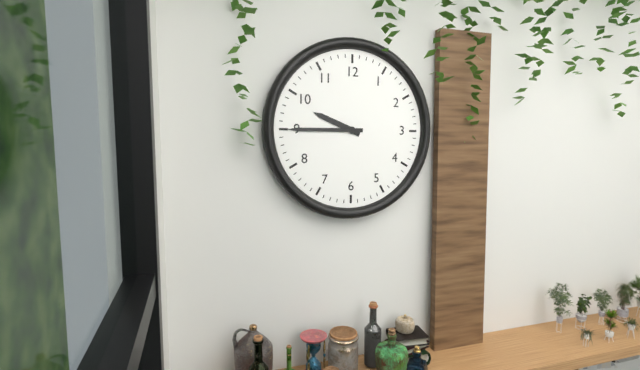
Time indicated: 9:45
